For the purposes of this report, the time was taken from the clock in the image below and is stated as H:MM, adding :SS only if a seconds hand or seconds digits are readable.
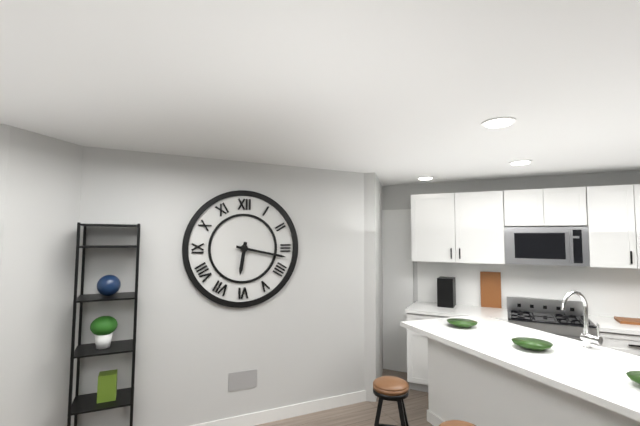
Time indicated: 6:17
